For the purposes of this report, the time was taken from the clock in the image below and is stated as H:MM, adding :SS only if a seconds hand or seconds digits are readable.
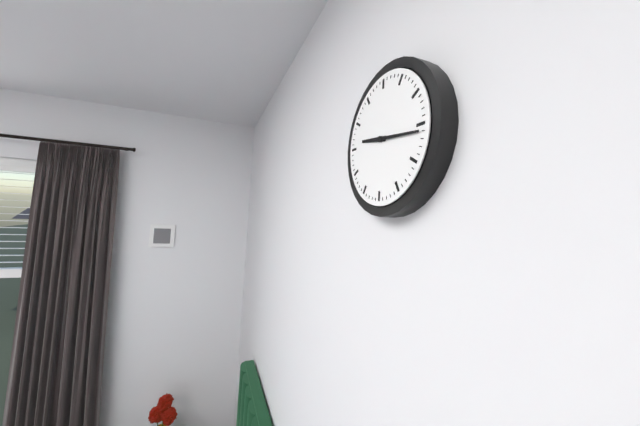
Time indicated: 9:16
